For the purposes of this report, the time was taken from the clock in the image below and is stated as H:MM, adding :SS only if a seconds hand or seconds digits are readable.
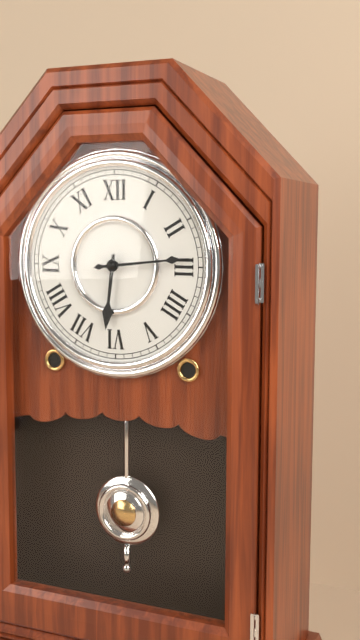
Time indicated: 6:14
